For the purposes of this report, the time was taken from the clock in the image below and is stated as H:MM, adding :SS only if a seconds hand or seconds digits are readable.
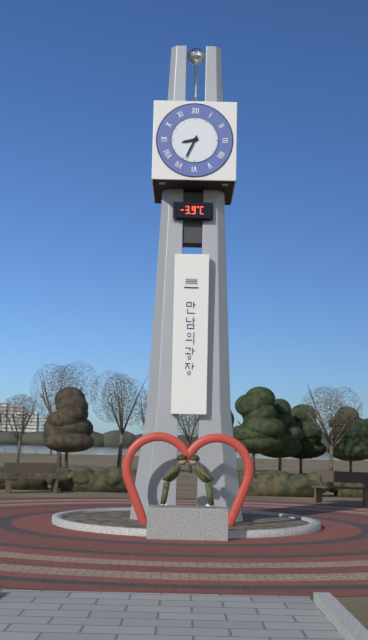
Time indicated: 8:34
